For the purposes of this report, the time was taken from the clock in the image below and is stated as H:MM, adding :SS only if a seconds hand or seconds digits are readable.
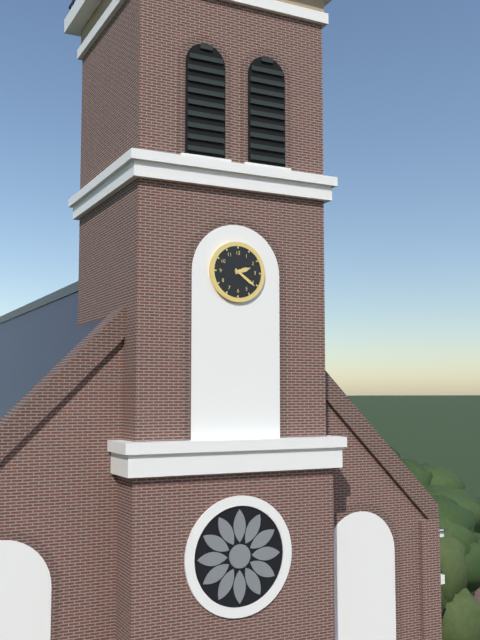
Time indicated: 2:21
